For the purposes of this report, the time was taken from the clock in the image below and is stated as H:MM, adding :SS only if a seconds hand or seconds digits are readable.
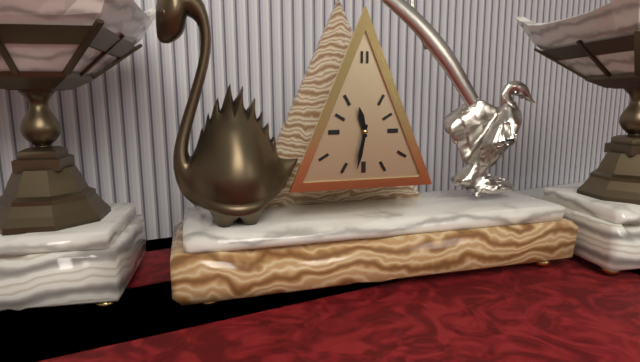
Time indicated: 11:32
